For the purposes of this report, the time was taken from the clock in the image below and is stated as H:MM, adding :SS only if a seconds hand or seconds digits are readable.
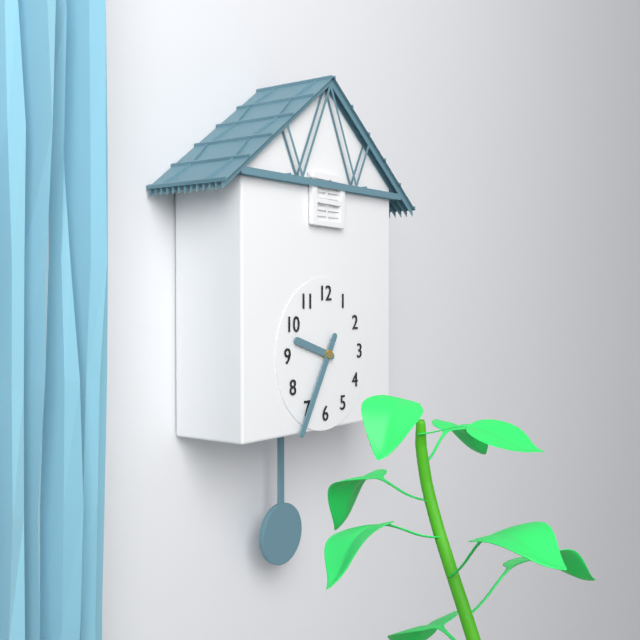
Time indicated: 9:35
